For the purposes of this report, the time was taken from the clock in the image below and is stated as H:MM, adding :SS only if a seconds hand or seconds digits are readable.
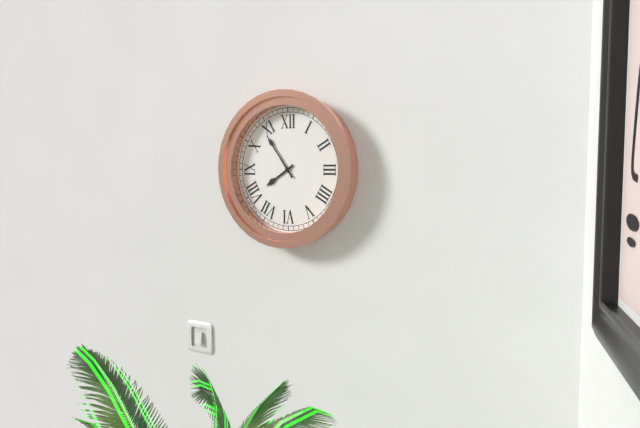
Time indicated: 7:54
